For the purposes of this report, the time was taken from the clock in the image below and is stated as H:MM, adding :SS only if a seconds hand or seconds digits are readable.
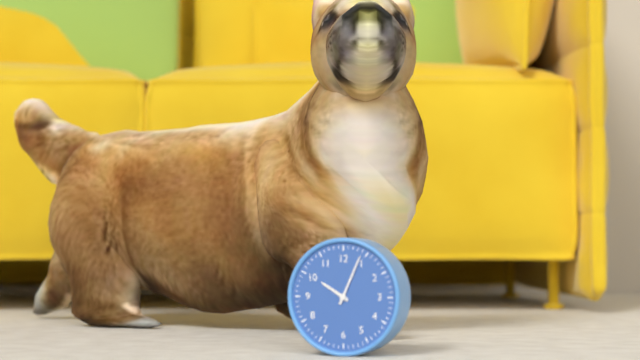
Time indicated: 10:04
